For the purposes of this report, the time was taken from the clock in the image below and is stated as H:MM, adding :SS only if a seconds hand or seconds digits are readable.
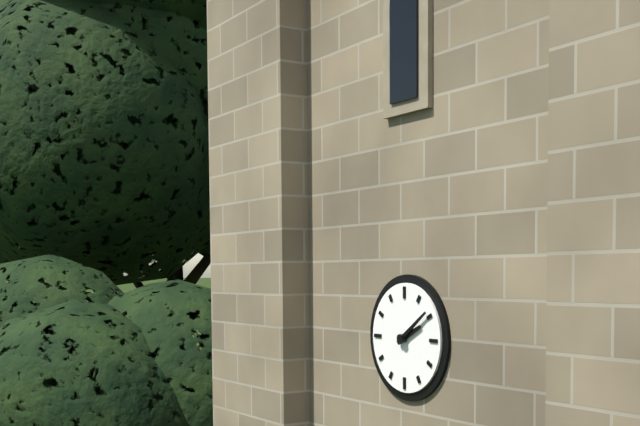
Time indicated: 2:09
